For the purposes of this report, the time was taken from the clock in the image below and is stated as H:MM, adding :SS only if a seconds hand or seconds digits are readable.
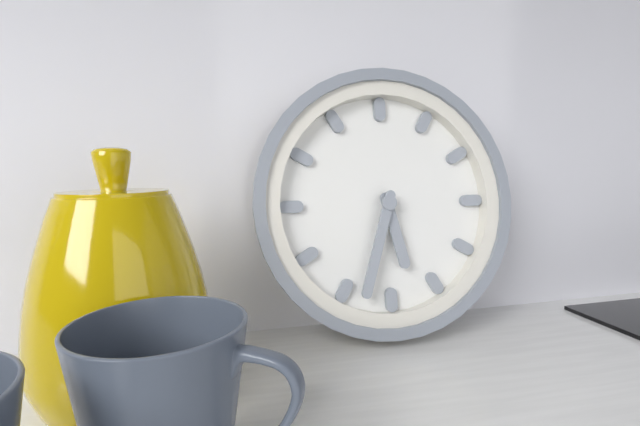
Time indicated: 5:33
